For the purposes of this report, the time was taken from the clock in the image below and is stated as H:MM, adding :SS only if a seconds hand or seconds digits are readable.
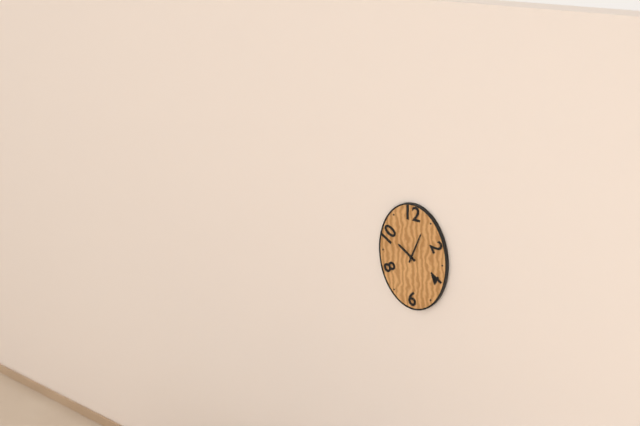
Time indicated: 10:04
